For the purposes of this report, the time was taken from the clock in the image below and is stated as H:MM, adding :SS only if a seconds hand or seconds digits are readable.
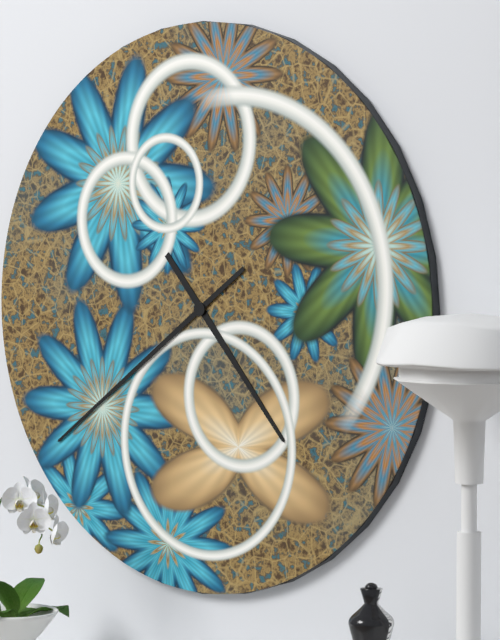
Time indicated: 4:39
